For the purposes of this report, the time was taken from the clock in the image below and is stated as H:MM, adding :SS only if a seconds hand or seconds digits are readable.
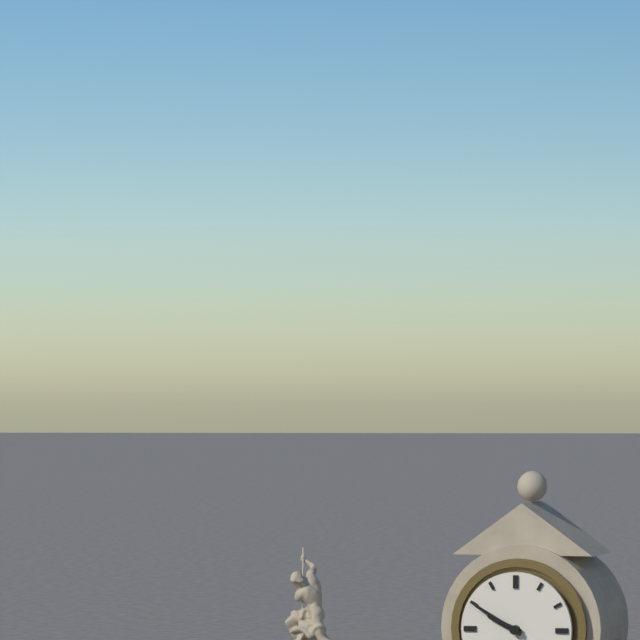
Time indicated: 9:50
